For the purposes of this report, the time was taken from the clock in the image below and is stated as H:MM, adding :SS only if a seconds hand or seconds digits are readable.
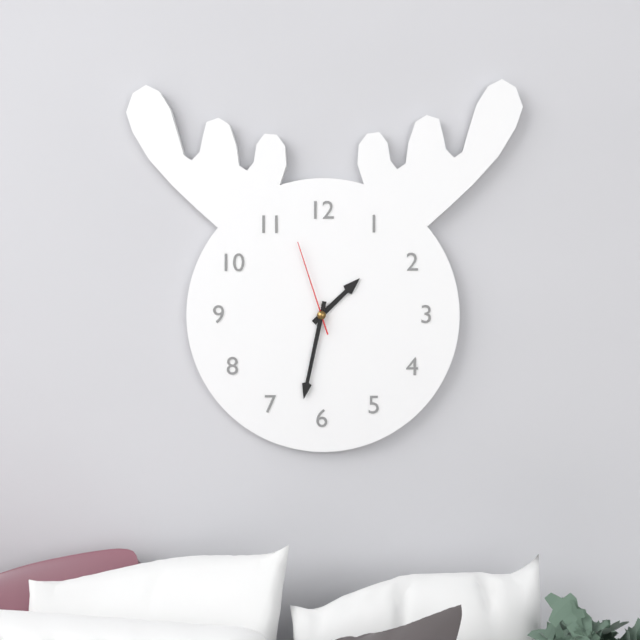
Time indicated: 1:32:57
